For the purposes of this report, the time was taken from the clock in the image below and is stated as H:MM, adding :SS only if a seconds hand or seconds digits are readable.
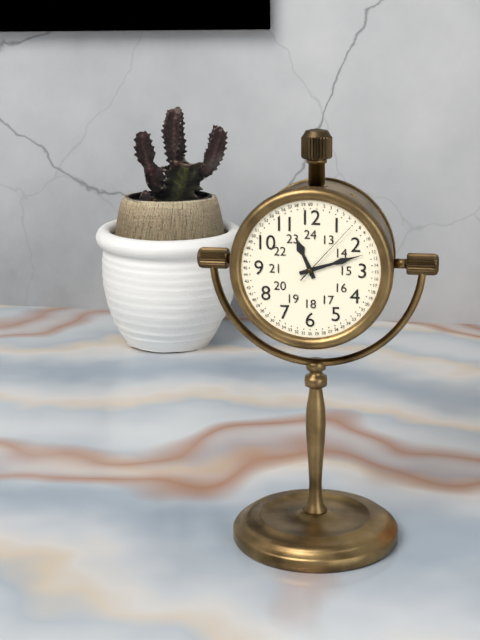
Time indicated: 11:12:07
